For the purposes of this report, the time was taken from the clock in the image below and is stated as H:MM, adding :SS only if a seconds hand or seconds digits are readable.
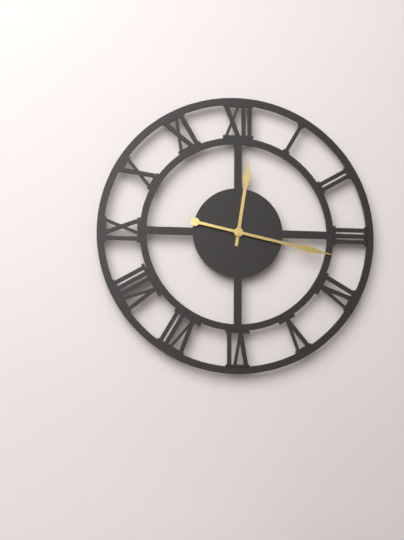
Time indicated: 12:17
